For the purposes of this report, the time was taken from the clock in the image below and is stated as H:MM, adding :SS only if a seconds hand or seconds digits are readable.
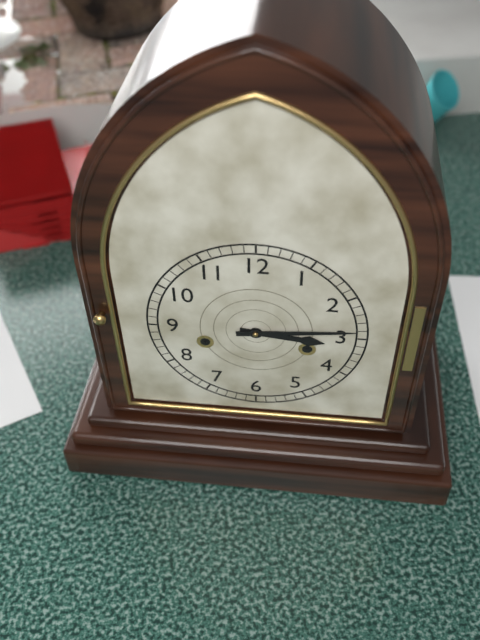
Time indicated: 3:14
